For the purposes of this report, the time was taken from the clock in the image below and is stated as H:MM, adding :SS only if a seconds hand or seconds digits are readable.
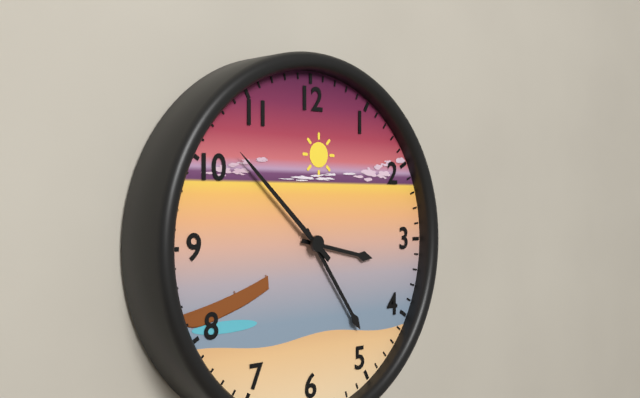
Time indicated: 3:24:52
